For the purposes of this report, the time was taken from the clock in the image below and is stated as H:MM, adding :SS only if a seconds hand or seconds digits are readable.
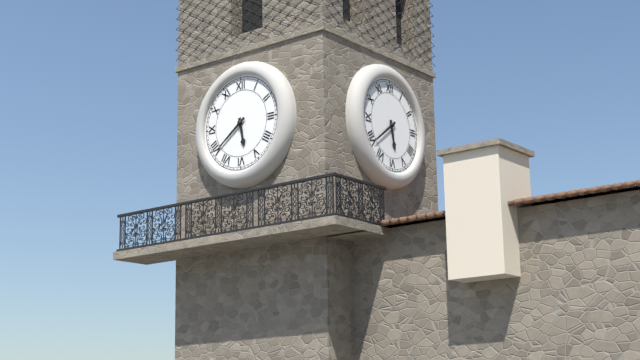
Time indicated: 5:39
